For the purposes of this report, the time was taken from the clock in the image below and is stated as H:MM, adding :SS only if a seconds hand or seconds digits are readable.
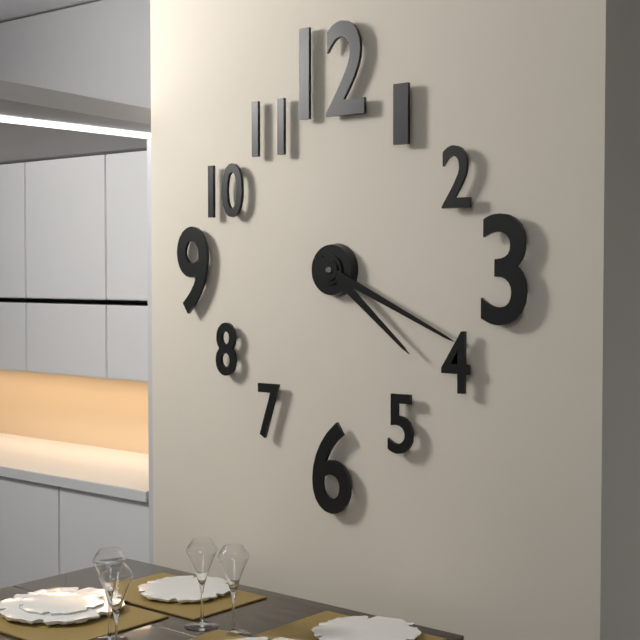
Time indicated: 4:19
